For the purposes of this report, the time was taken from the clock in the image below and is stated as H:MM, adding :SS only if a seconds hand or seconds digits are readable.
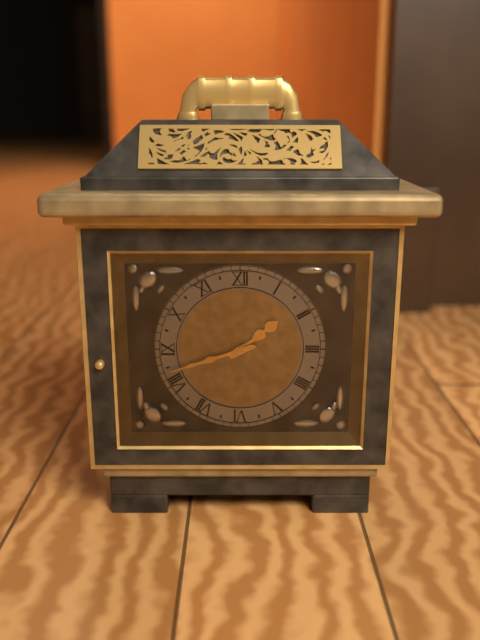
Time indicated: 1:42
